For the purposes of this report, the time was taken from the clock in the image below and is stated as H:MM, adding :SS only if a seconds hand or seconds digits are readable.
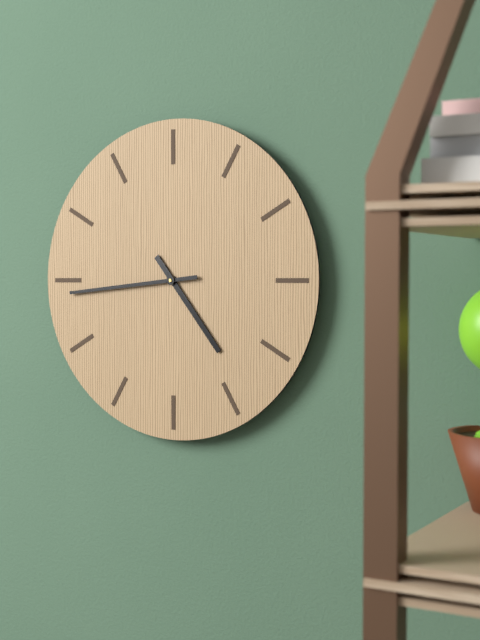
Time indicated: 4:44
